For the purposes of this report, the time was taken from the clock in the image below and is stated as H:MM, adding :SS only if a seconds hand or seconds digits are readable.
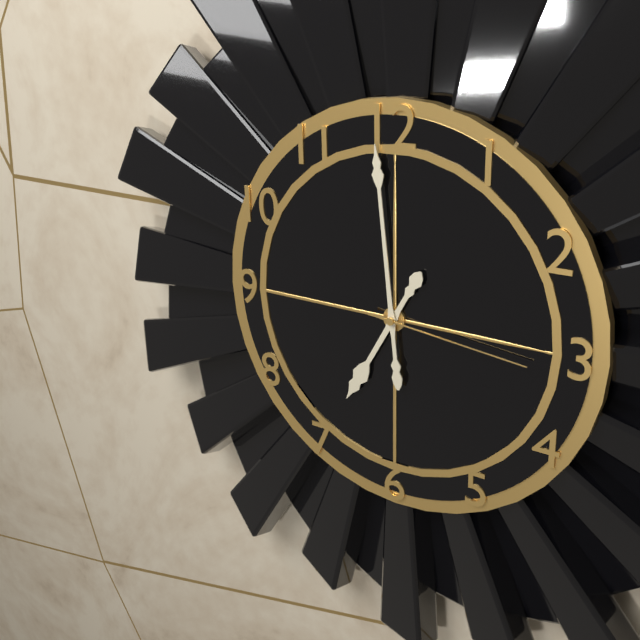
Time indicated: 6:59:16
